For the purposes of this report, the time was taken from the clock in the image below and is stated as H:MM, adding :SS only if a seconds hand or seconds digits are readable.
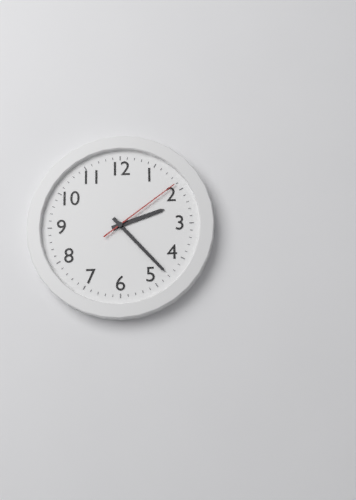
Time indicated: 2:23:09
